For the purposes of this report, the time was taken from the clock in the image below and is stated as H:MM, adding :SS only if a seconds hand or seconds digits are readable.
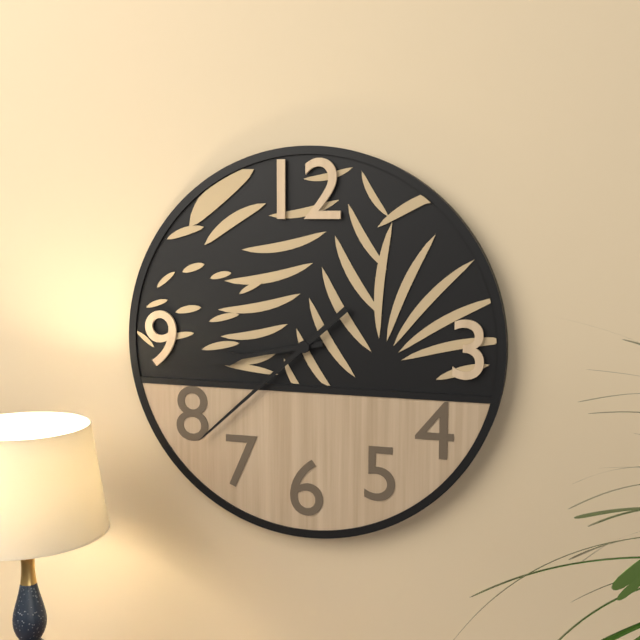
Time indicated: 8:38
